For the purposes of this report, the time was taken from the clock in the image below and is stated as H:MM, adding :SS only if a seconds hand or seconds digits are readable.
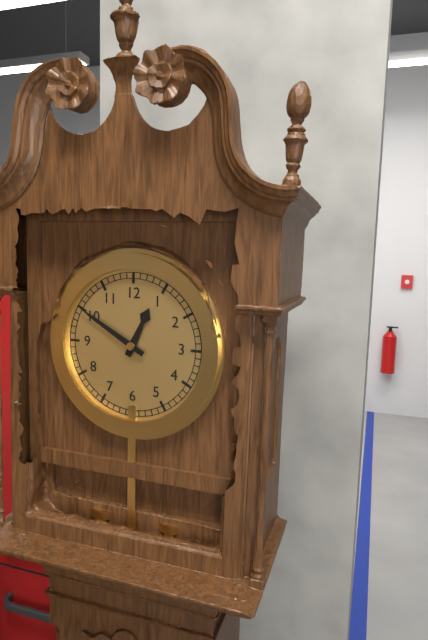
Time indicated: 12:50
